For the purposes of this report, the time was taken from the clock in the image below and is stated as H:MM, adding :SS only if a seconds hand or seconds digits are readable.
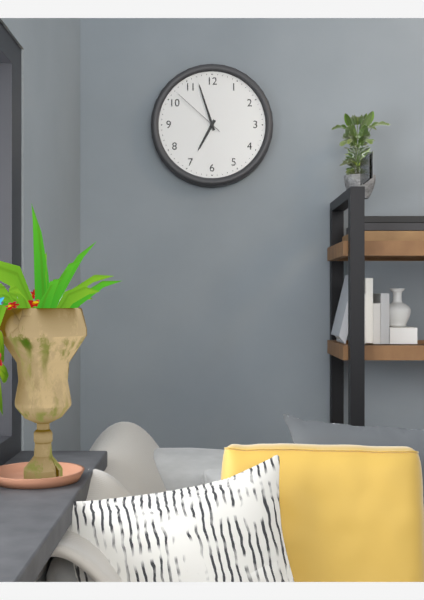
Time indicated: 6:57:52
